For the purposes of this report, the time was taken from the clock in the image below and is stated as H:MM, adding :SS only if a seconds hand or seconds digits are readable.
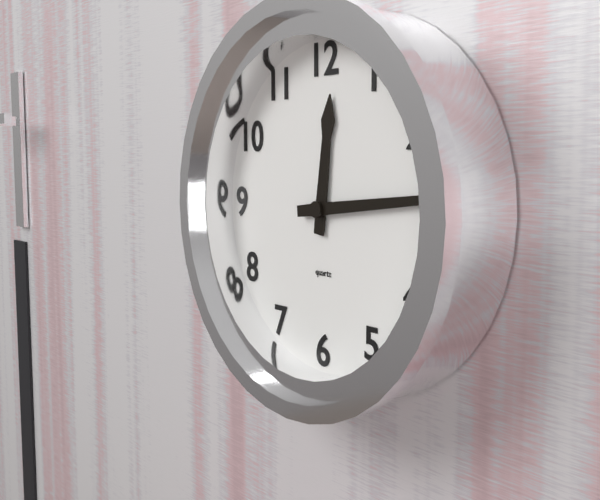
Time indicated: 12:14
